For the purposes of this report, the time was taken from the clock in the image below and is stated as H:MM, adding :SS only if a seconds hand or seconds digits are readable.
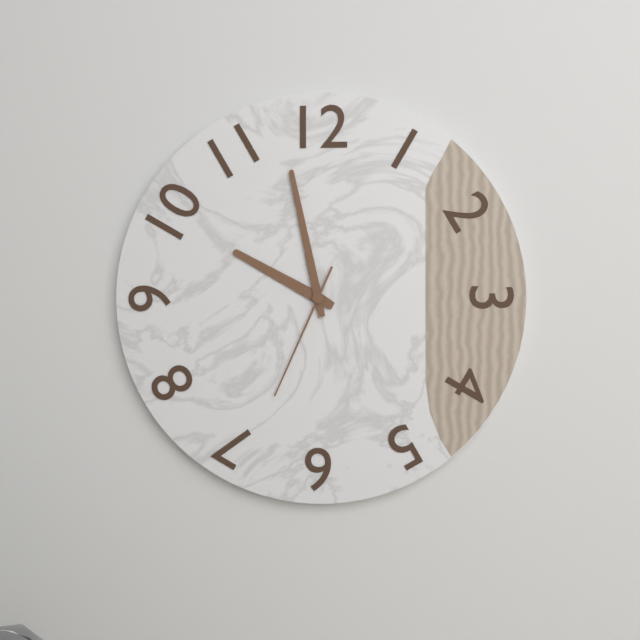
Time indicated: 9:58:34
